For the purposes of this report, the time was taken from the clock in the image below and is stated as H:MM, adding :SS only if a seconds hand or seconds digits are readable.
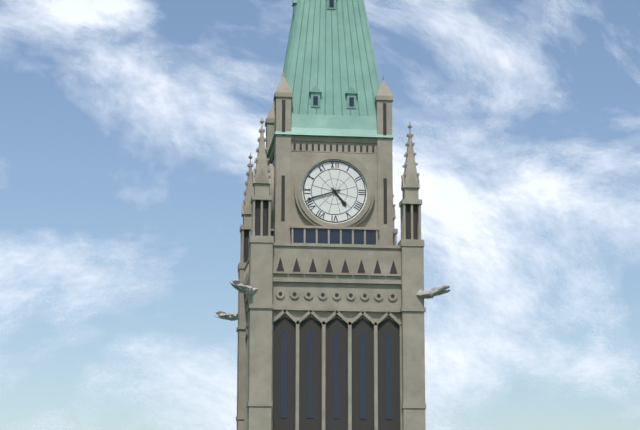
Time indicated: 4:42
